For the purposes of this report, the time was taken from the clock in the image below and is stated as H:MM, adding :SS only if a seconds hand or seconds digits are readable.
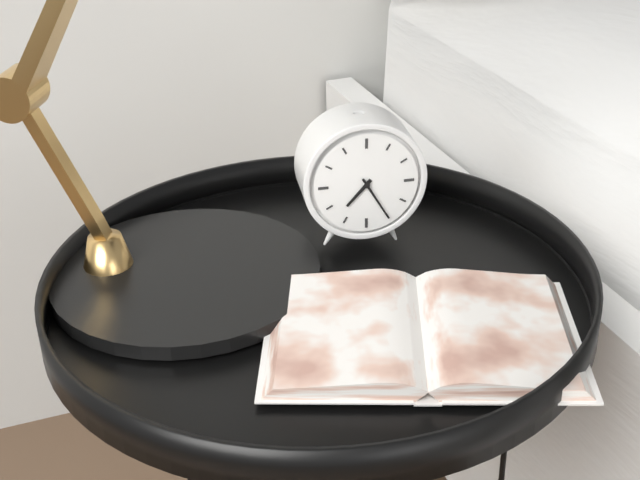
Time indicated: 7:25
